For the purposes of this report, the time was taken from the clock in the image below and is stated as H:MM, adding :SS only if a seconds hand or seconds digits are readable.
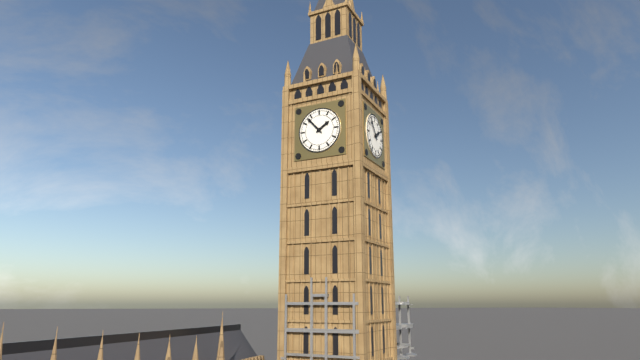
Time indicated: 1:53
